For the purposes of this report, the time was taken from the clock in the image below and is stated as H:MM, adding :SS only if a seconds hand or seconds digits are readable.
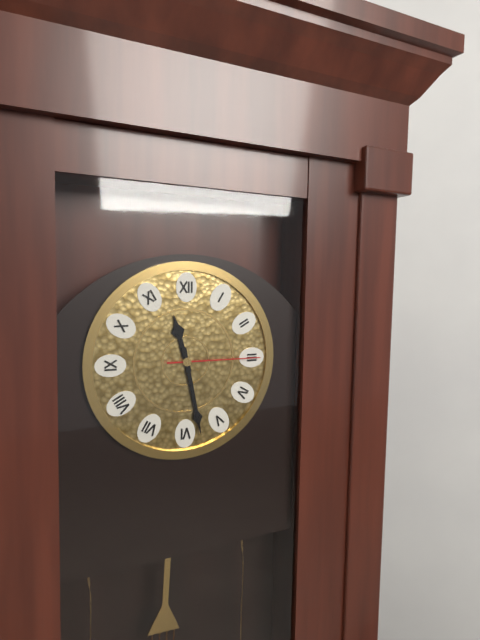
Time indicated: 11:28:15
